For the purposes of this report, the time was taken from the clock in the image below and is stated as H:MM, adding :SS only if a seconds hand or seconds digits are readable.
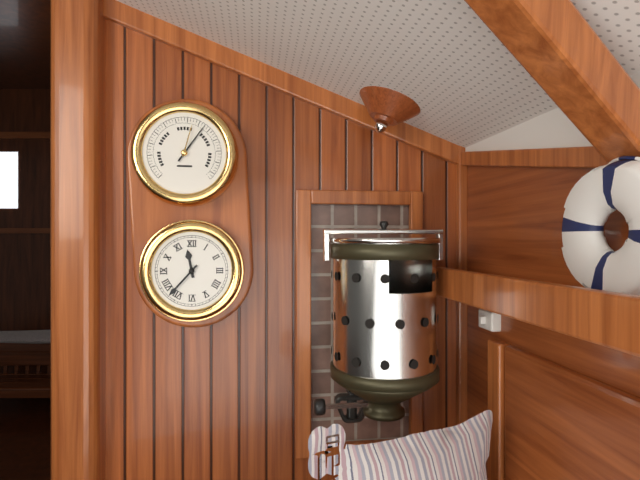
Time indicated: 11:37
